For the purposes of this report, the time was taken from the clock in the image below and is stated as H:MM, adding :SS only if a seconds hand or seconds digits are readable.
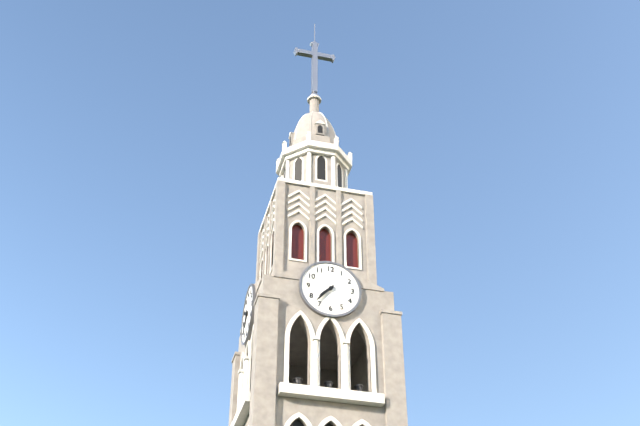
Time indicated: 7:37
